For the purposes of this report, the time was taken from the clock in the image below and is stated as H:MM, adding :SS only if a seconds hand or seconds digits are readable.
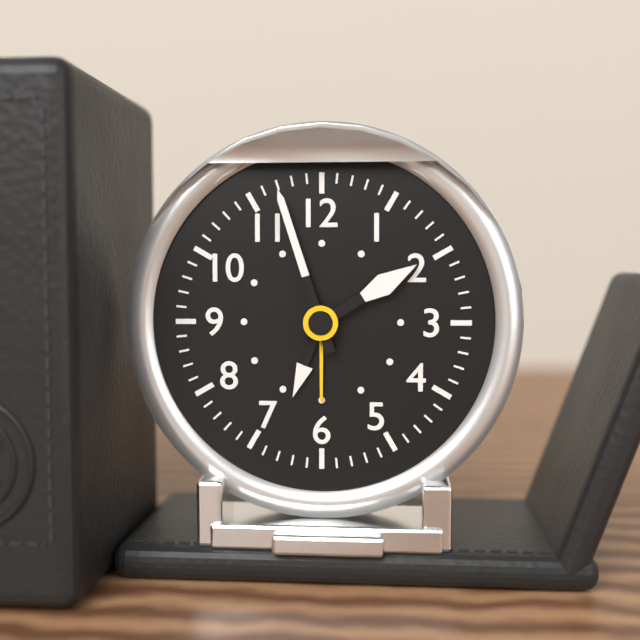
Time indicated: 1:57
